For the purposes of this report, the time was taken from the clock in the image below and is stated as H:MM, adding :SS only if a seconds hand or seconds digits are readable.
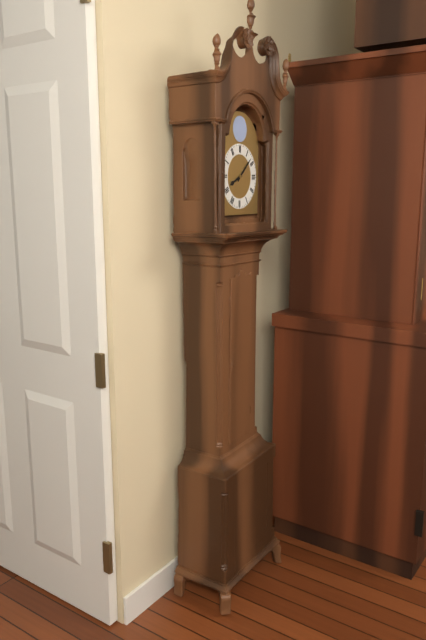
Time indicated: 8:08
